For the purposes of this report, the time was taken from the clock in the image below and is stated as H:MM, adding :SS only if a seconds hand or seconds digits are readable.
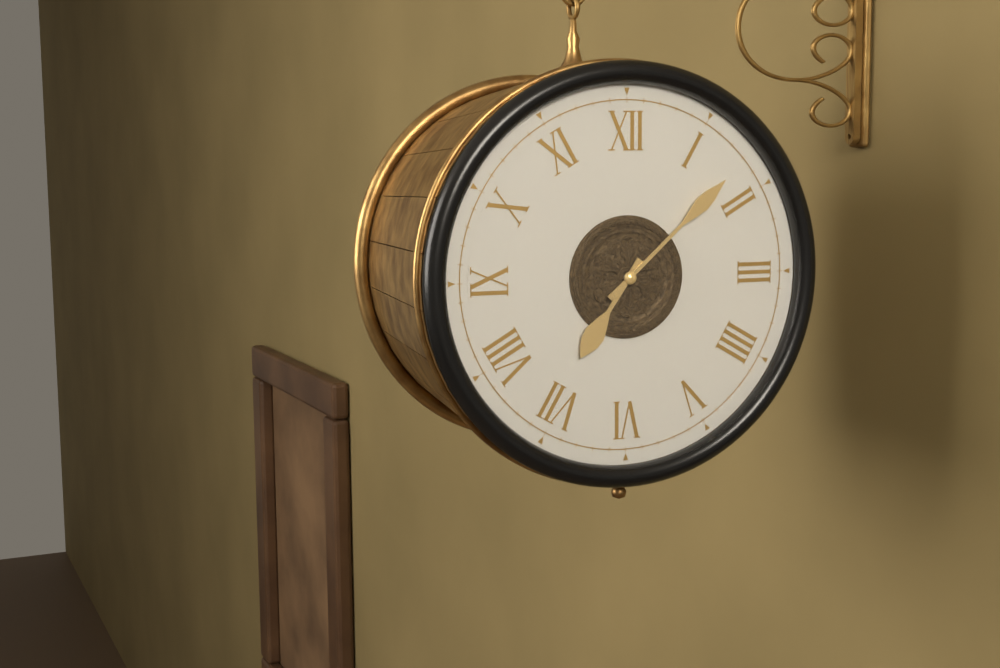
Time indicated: 7:08
